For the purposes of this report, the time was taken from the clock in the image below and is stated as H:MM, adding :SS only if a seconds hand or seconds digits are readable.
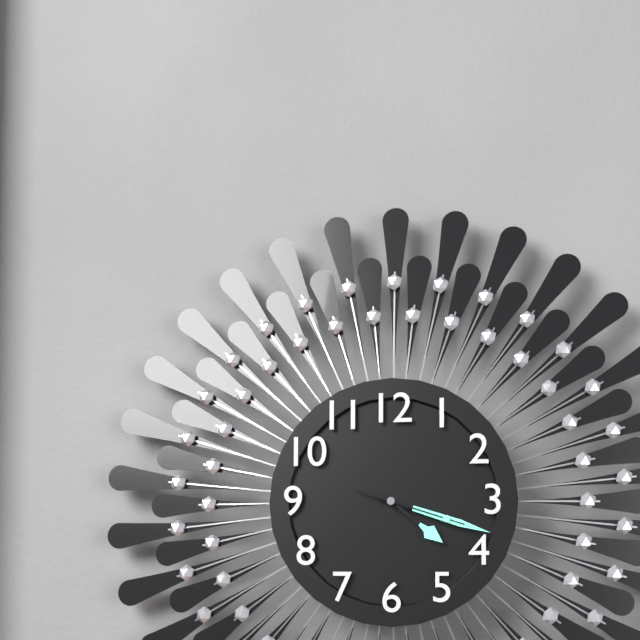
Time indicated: 4:18:18
